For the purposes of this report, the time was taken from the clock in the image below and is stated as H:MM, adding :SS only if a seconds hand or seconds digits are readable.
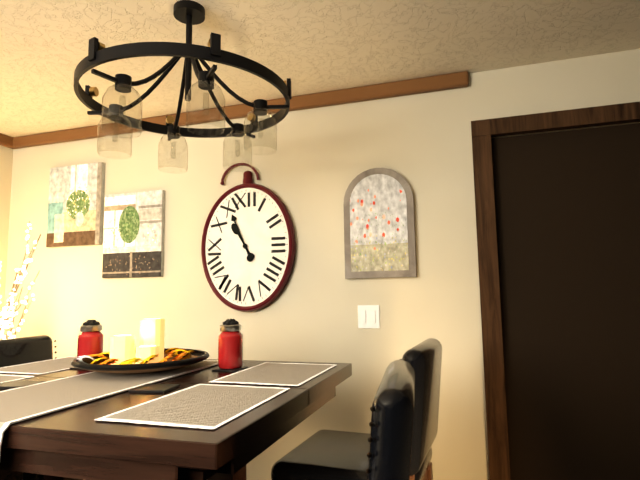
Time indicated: 10:56
